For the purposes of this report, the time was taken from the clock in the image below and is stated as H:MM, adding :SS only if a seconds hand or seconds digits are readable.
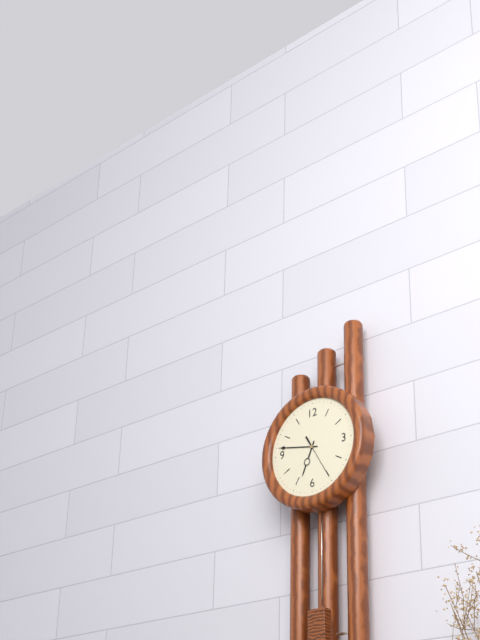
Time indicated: 6:47
